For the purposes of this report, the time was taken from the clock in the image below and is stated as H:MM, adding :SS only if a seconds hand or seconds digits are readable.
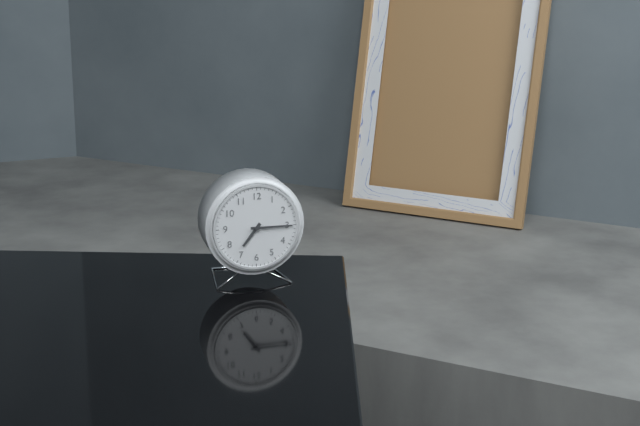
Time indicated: 7:15
